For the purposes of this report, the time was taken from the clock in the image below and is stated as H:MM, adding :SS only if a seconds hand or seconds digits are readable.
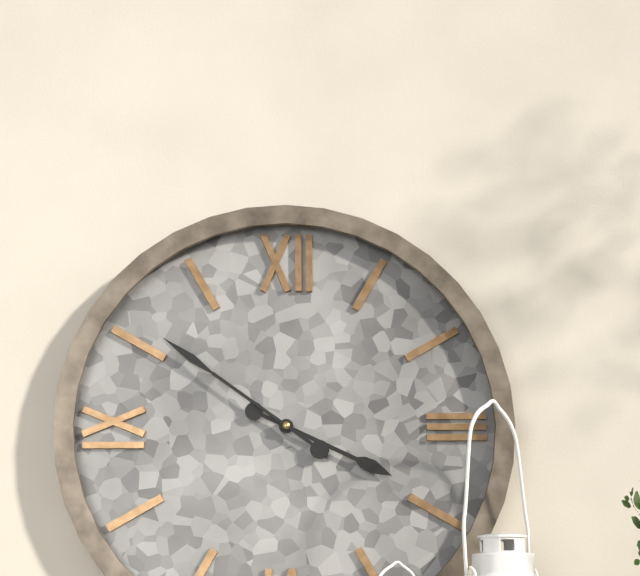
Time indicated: 3:51
